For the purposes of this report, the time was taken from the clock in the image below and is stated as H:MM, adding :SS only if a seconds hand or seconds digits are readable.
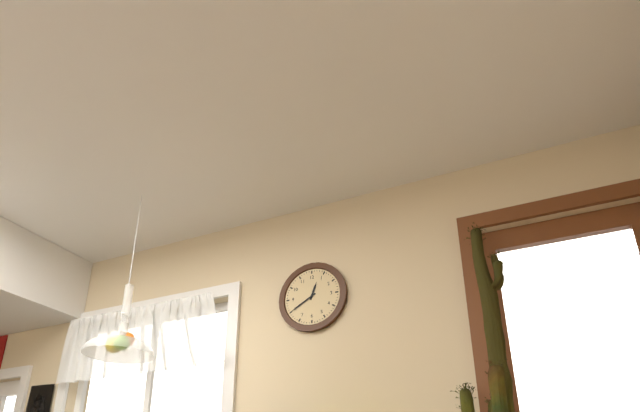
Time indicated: 12:40
